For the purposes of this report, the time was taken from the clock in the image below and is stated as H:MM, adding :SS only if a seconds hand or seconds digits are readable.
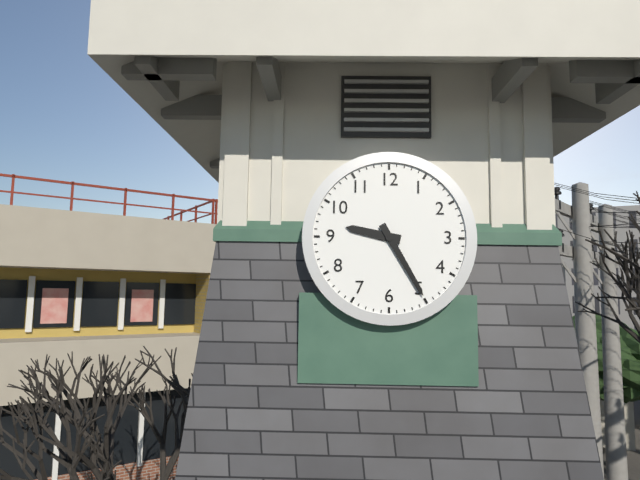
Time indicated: 9:25
